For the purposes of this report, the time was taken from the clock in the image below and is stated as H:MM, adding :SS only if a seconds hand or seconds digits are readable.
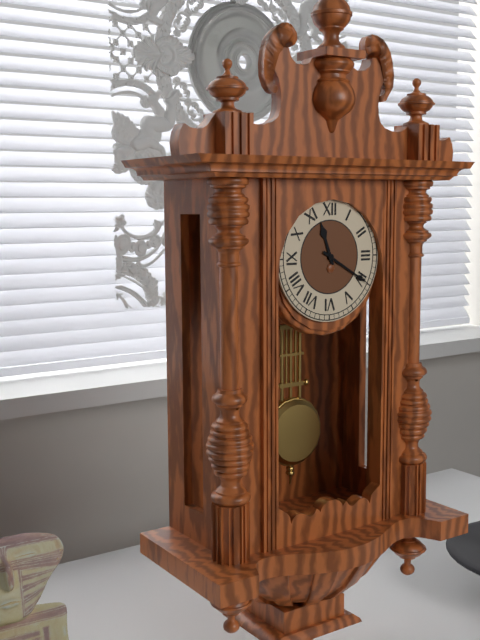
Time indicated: 11:20
